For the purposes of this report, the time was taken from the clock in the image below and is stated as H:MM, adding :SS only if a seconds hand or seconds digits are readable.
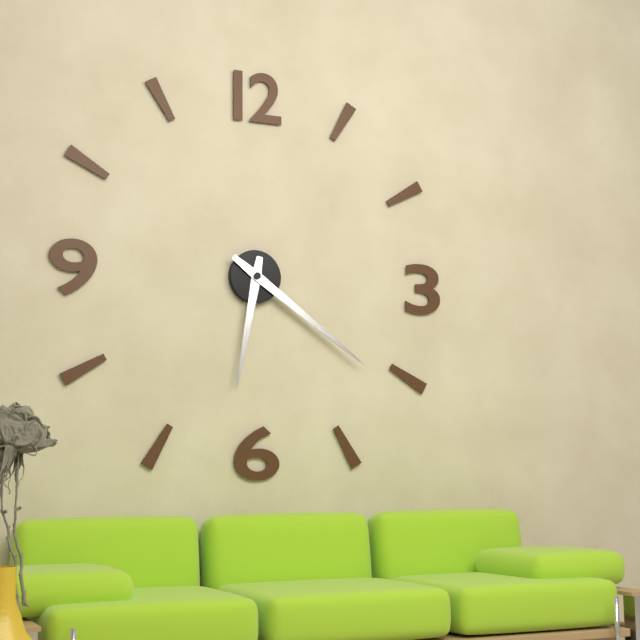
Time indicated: 6:21
